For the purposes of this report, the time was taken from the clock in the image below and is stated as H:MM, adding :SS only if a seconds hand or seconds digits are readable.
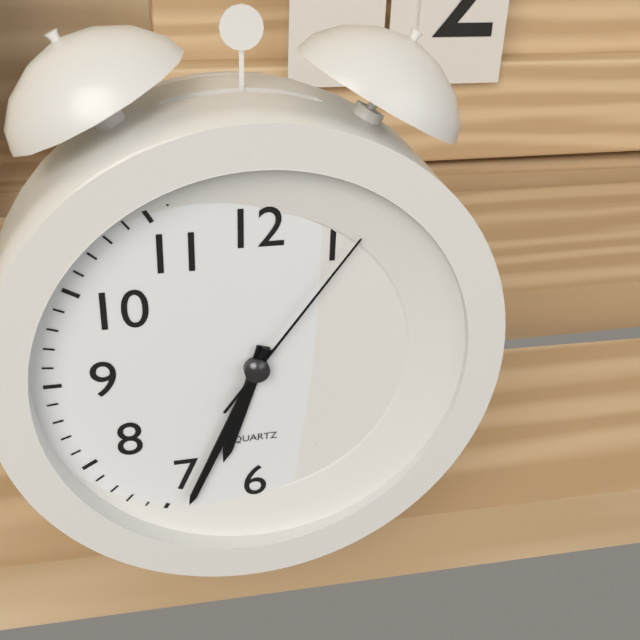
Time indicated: 6:34:06
